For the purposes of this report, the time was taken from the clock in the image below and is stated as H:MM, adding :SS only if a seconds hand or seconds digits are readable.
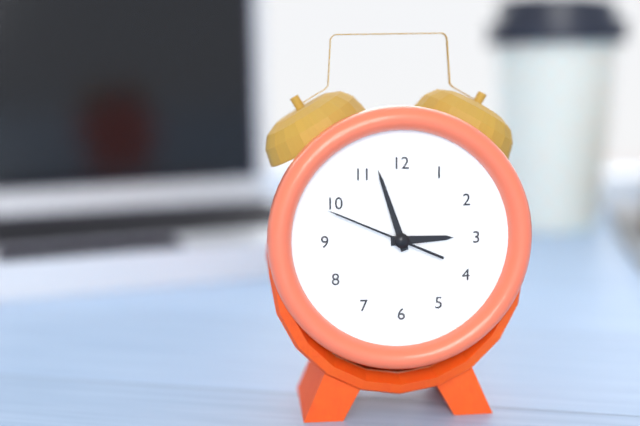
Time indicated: 2:57:49
